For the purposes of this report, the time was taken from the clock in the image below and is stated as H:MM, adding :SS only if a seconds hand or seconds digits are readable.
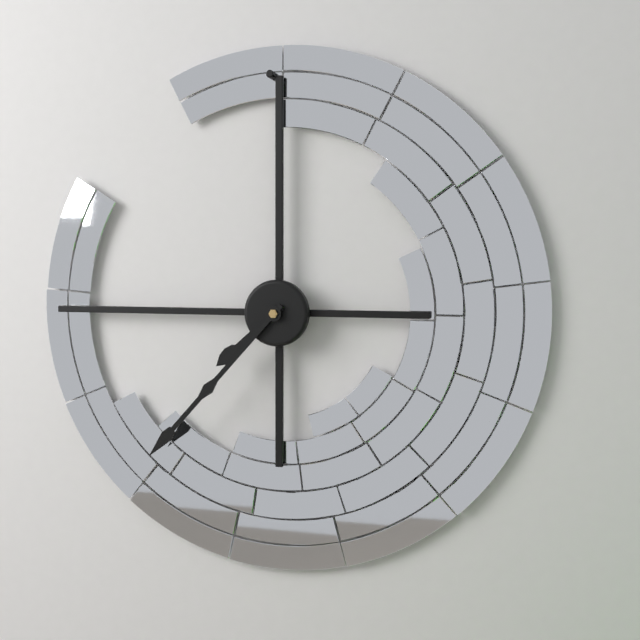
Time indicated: 7:37
